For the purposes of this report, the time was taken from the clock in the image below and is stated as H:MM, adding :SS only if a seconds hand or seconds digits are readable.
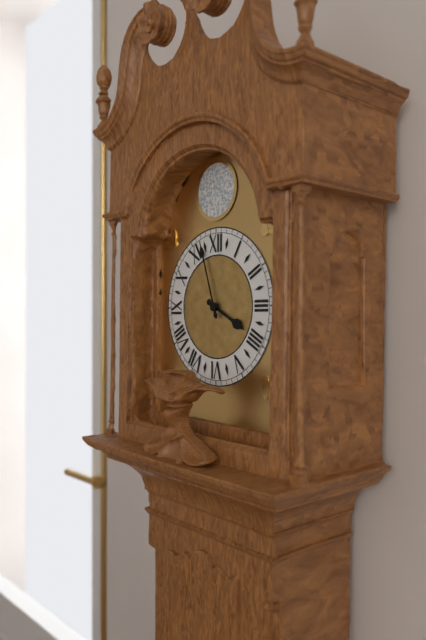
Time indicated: 3:57
